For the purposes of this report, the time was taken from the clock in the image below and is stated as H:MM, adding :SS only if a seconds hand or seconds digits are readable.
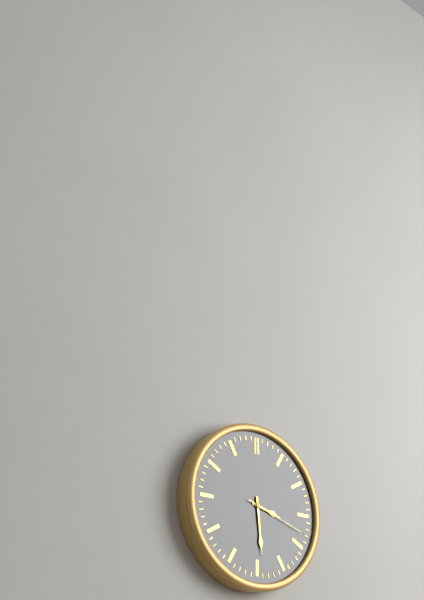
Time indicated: 3:29:18
